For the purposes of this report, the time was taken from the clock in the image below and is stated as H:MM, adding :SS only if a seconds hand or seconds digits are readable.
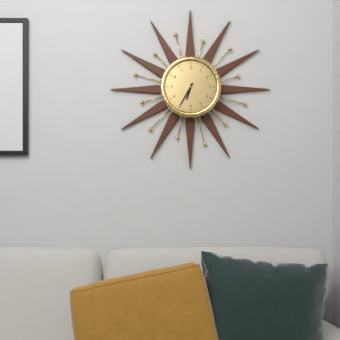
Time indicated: 6:35
